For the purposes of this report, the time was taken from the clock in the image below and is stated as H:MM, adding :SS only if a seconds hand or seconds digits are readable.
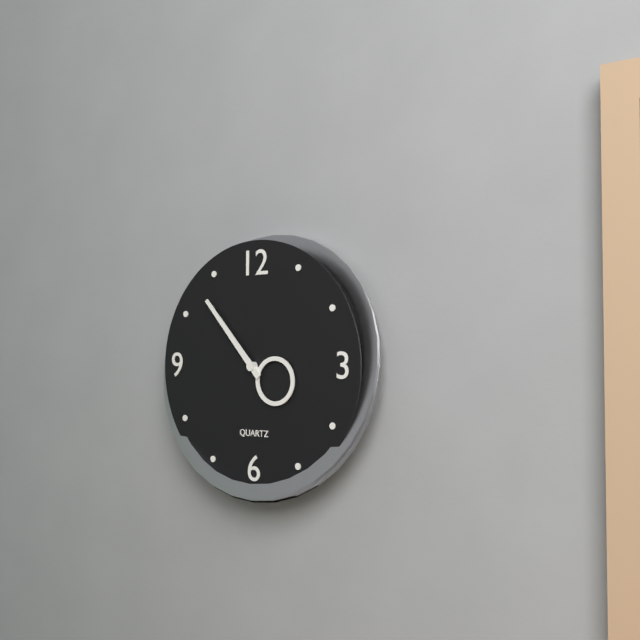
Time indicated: 3:53
